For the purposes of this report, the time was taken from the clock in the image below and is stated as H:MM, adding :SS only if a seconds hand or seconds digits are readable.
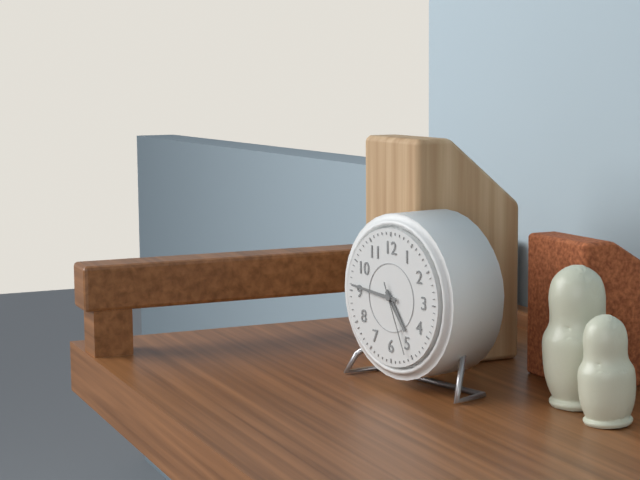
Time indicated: 4:46:26
